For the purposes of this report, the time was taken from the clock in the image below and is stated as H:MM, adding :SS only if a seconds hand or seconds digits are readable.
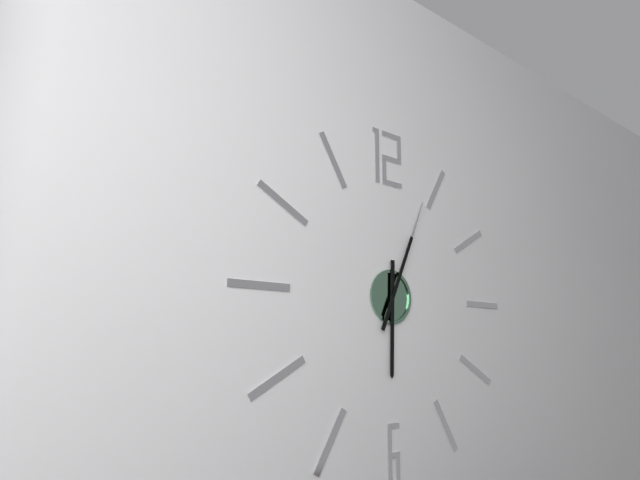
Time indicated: 6:04
